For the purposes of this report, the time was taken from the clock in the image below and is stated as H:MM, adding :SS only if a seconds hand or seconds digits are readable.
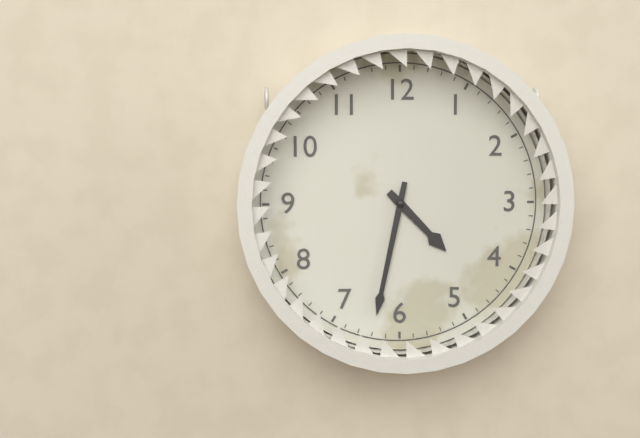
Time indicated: 4:32
